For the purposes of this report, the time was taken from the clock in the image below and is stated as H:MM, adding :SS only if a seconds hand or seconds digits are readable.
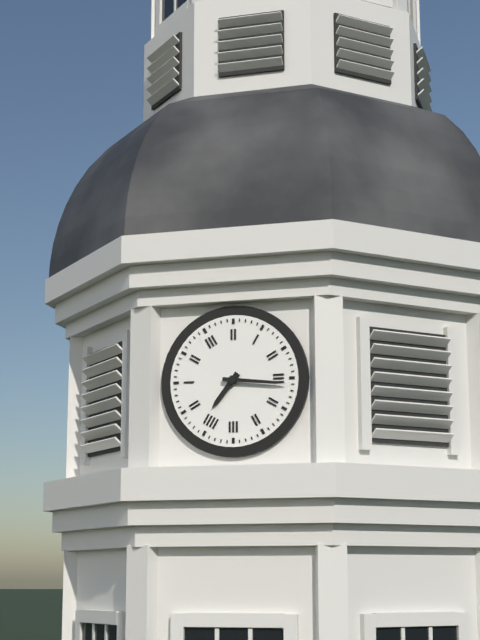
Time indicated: 7:16
